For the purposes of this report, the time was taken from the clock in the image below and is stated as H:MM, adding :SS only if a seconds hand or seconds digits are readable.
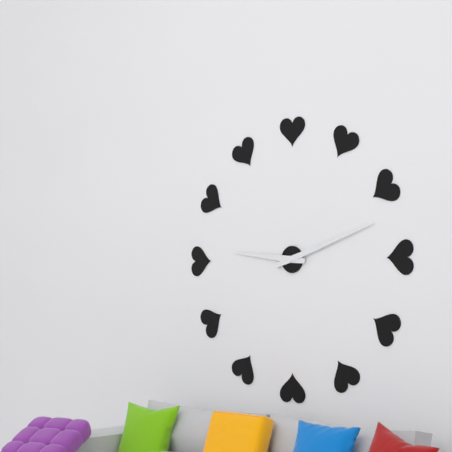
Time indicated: 9:12
